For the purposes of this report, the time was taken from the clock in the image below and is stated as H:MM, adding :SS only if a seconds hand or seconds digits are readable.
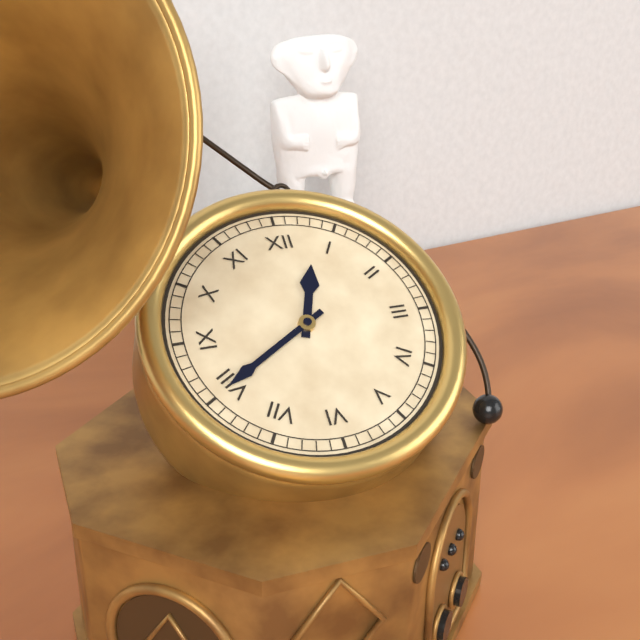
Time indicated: 12:40
